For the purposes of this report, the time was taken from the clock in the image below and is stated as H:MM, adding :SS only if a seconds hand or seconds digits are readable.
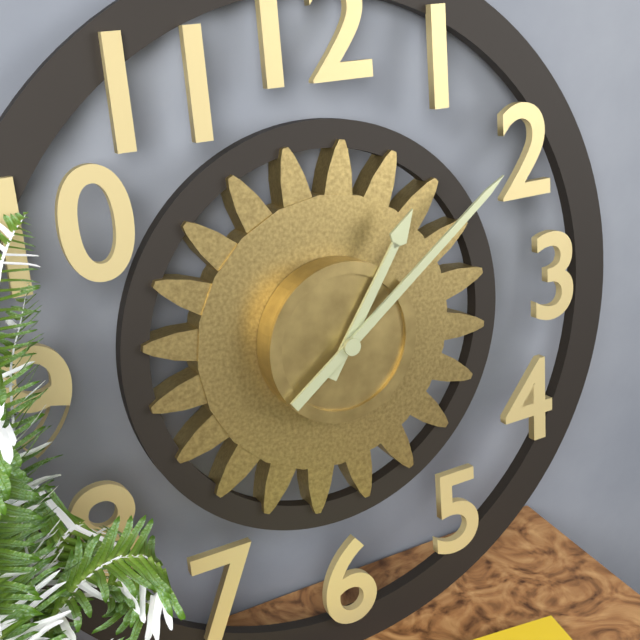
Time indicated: 1:09
